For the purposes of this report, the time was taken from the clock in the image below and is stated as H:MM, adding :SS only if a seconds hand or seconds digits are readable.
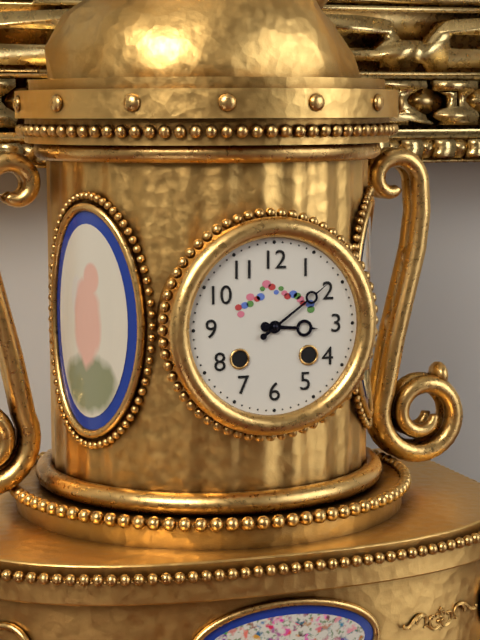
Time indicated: 3:09
